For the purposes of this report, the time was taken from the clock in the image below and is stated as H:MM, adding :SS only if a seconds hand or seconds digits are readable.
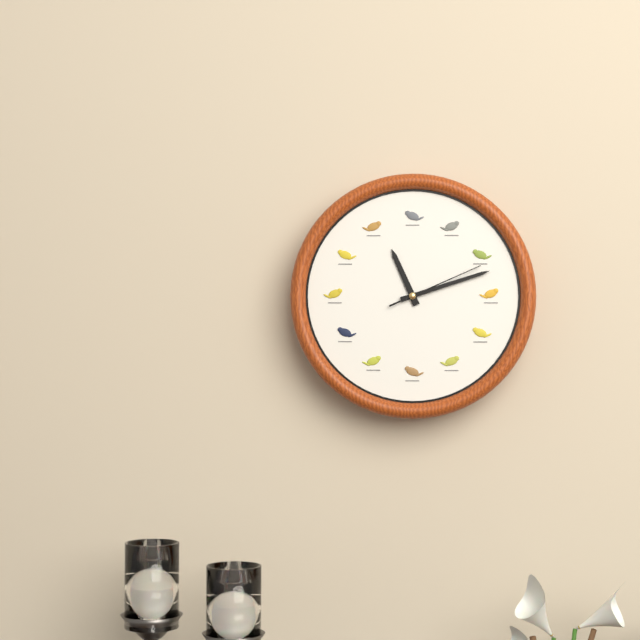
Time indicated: 11:12:11
